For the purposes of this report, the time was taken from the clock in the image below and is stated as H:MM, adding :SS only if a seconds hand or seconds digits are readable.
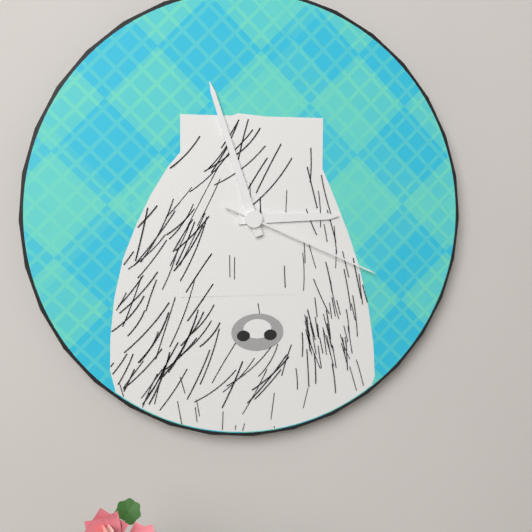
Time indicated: 2:57:19
